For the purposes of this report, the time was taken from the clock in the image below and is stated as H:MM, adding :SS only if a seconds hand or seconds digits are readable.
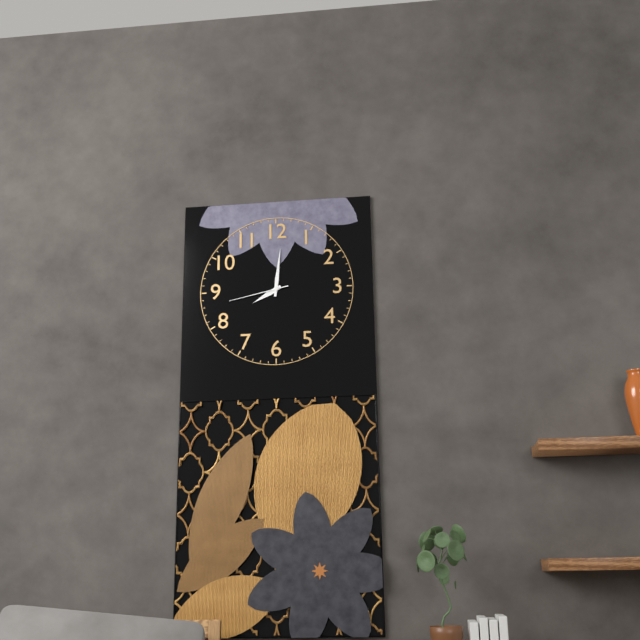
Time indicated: 8:01:43
